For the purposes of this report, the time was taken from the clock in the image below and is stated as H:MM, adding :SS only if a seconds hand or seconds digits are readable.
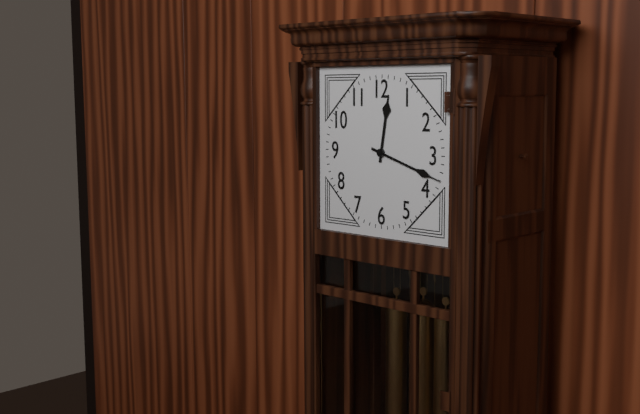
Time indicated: 12:18
